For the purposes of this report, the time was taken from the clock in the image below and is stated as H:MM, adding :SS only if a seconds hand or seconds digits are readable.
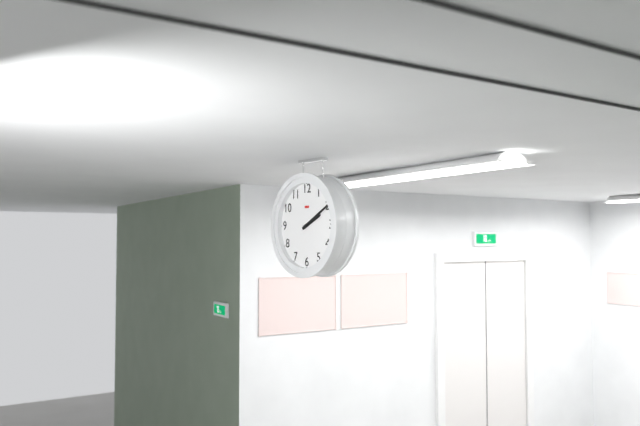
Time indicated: 2:10
